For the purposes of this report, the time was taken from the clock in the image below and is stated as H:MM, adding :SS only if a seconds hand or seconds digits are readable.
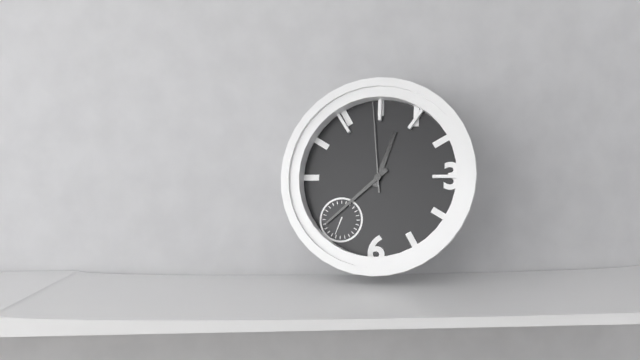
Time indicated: 12:38:59
